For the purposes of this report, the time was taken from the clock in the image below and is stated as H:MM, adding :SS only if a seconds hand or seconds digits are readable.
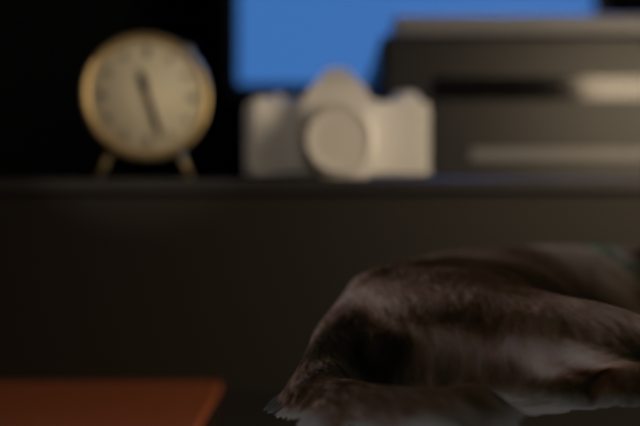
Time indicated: 11:27
